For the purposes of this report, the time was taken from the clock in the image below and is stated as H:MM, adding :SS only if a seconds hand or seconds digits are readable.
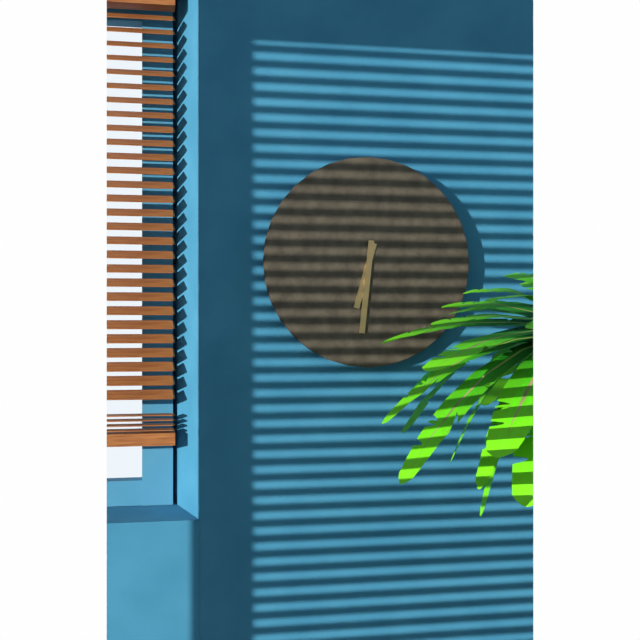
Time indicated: 6:31
